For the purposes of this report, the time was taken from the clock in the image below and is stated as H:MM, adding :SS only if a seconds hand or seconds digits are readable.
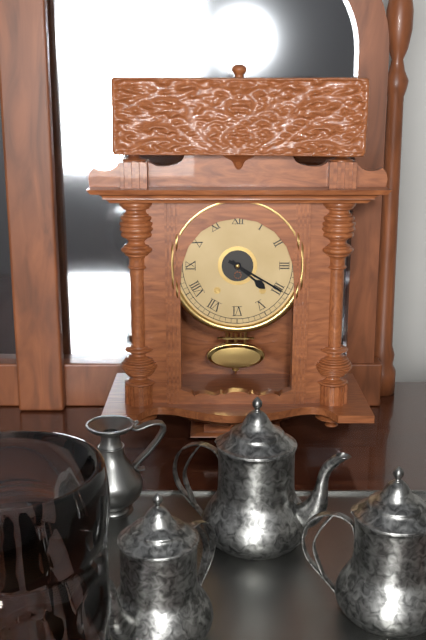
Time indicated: 4:20
